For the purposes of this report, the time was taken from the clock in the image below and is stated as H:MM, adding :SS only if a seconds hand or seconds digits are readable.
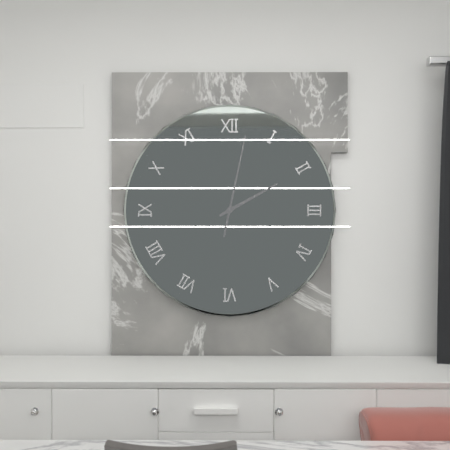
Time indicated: 2:02
